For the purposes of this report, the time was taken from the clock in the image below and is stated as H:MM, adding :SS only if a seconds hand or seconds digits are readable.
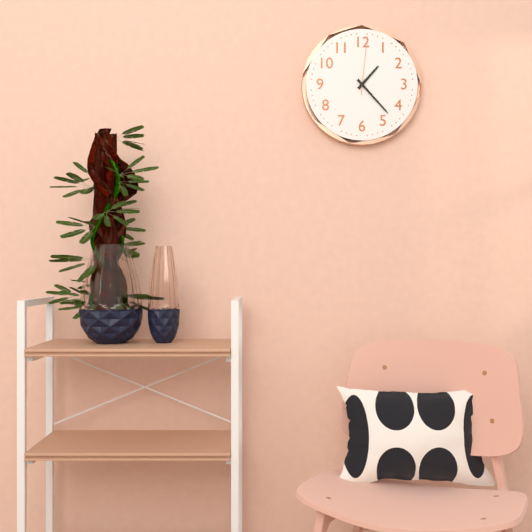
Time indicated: 1:23:01
